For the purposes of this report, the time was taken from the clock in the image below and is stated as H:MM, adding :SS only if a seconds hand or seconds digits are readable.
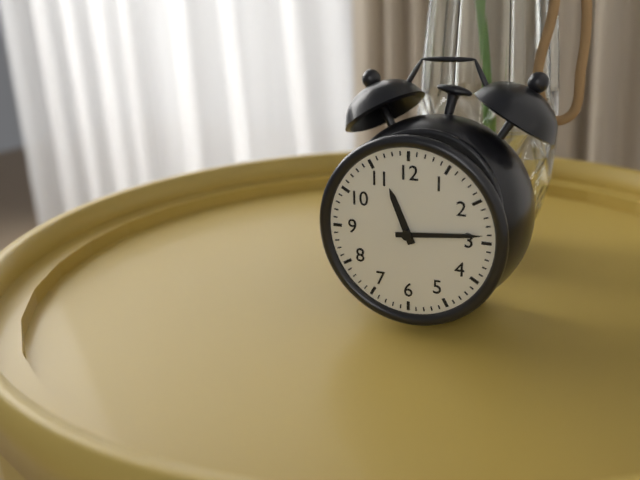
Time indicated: 11:14
